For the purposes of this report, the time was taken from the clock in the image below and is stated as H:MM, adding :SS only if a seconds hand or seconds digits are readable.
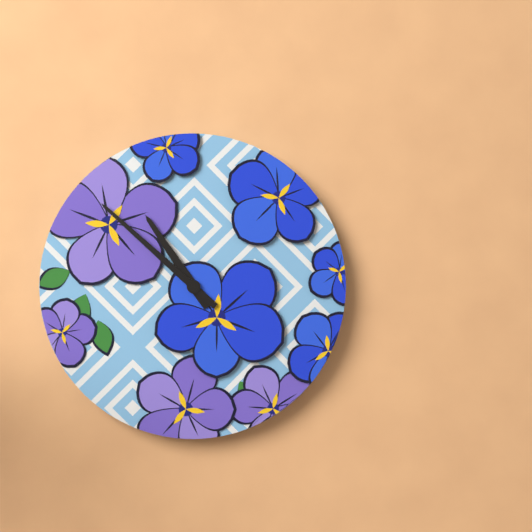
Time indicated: 10:52
